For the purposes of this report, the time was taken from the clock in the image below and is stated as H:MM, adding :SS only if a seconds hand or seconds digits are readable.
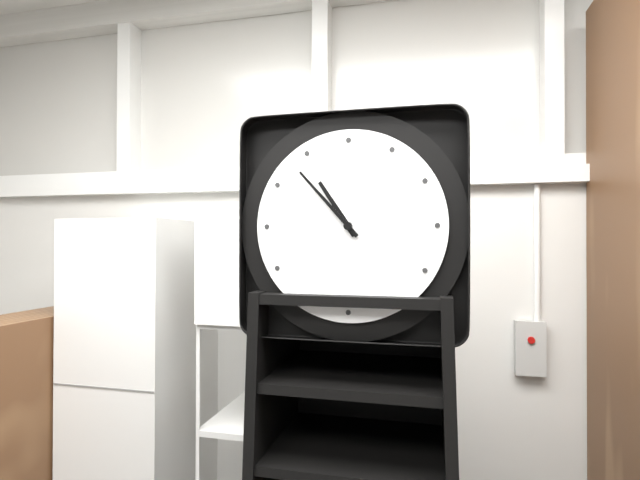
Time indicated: 10:53
